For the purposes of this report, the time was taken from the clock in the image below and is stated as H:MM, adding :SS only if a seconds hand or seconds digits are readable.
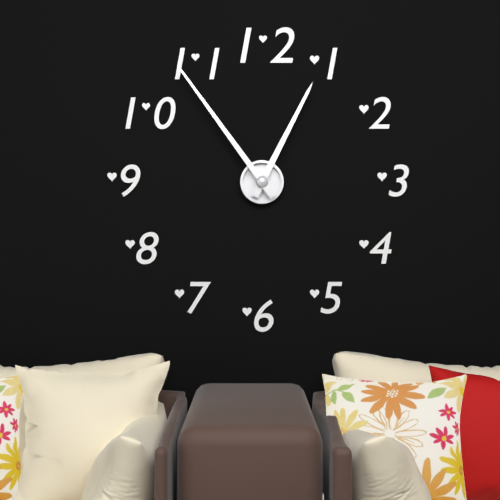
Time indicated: 12:54
